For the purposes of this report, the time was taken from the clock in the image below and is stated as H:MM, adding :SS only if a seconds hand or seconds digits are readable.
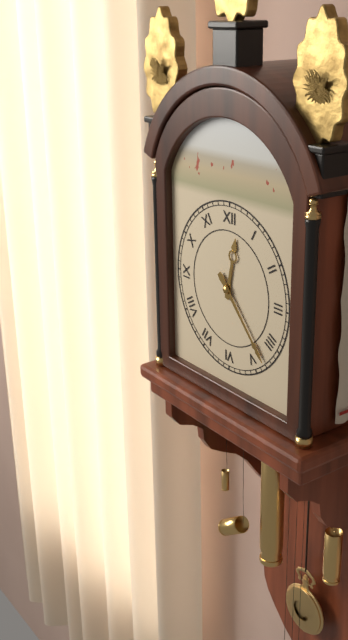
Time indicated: 12:23
